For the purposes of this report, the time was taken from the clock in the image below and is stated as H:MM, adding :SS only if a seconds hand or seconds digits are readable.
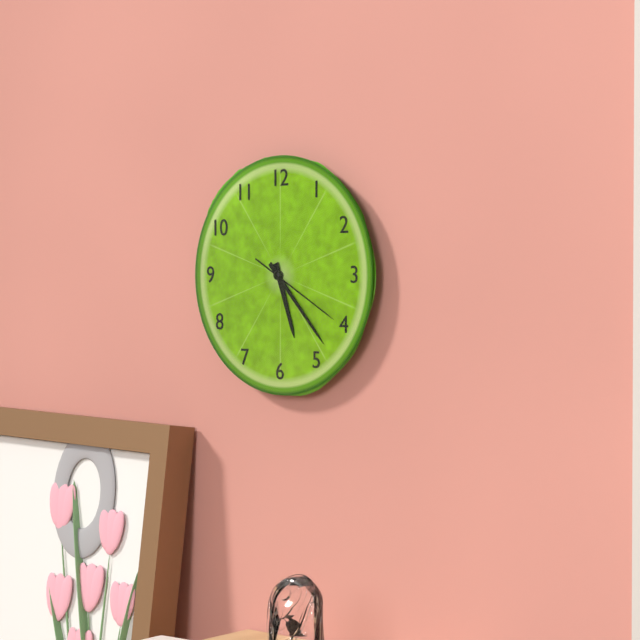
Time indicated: 5:23:20
